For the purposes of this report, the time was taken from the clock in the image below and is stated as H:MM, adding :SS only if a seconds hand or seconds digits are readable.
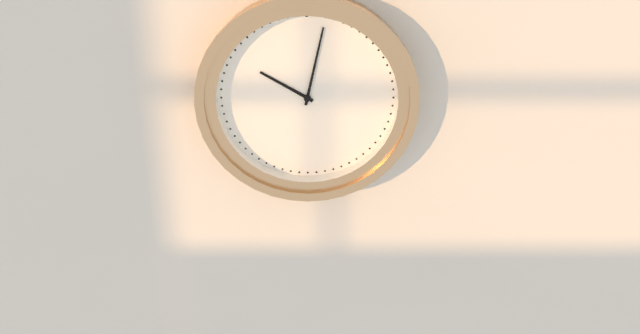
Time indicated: 10:02
